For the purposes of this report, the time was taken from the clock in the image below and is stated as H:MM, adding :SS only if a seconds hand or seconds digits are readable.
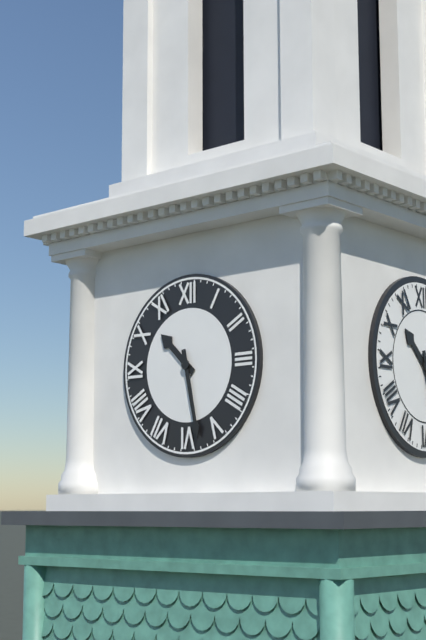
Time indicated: 10:28
